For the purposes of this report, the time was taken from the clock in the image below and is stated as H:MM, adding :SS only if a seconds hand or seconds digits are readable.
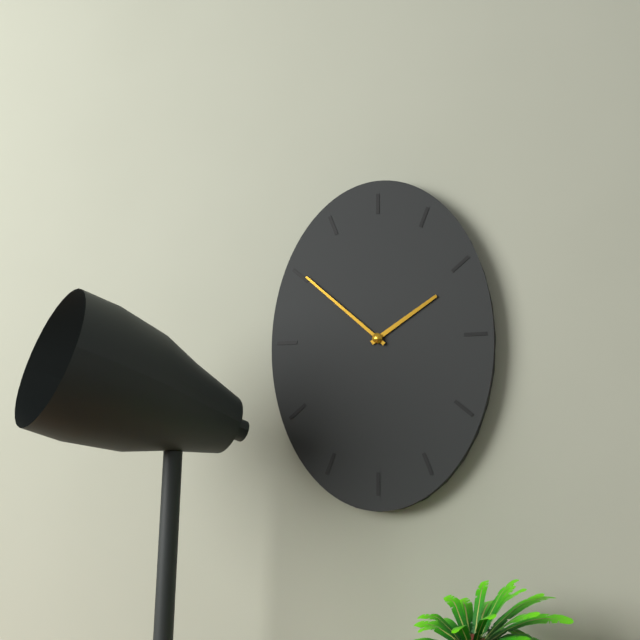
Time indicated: 1:52
